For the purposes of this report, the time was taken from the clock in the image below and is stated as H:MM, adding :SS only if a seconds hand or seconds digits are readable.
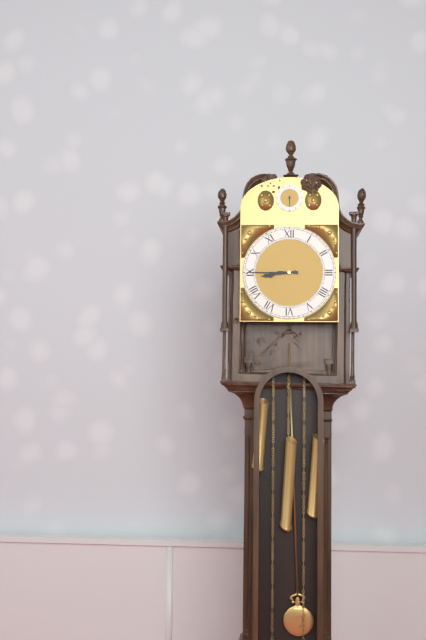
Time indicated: 8:45
